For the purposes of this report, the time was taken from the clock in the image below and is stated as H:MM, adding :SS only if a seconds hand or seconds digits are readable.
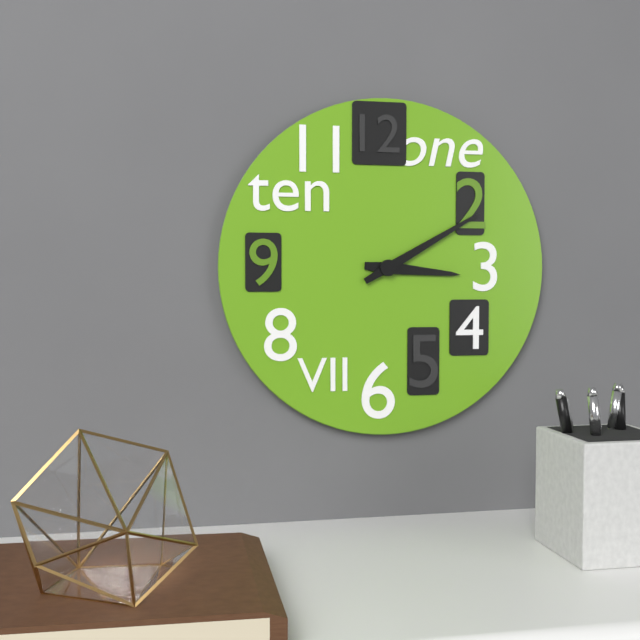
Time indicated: 3:10
